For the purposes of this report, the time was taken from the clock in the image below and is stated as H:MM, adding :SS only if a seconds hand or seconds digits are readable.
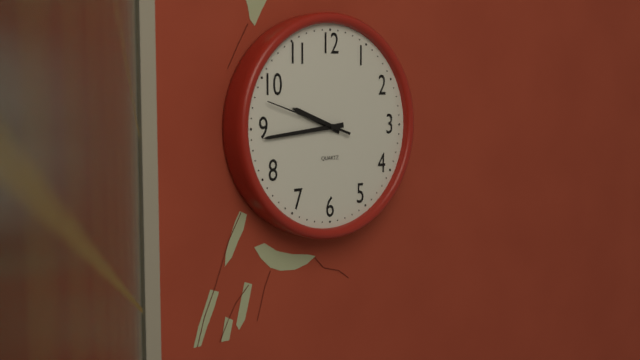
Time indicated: 9:44:48
